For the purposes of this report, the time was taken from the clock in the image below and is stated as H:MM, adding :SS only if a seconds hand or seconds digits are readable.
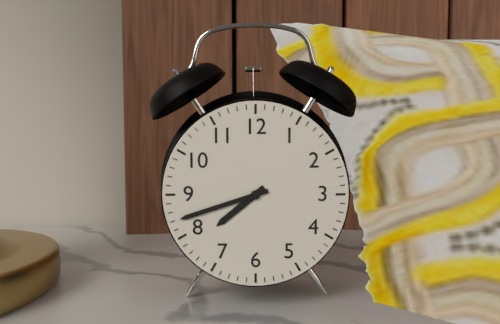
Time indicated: 7:42
